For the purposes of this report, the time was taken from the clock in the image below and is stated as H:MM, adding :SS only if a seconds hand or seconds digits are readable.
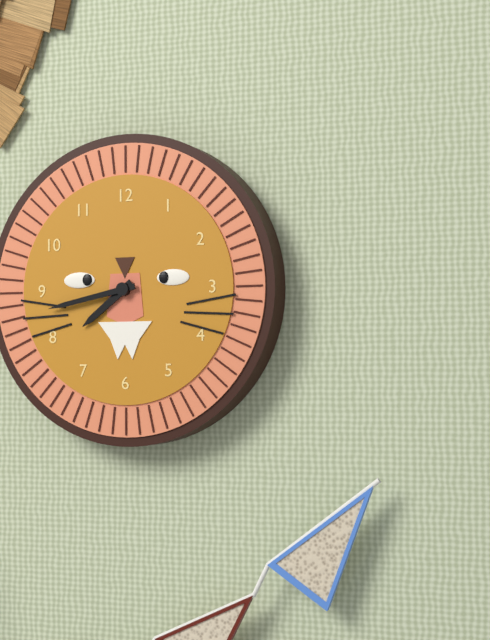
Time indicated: 7:43
